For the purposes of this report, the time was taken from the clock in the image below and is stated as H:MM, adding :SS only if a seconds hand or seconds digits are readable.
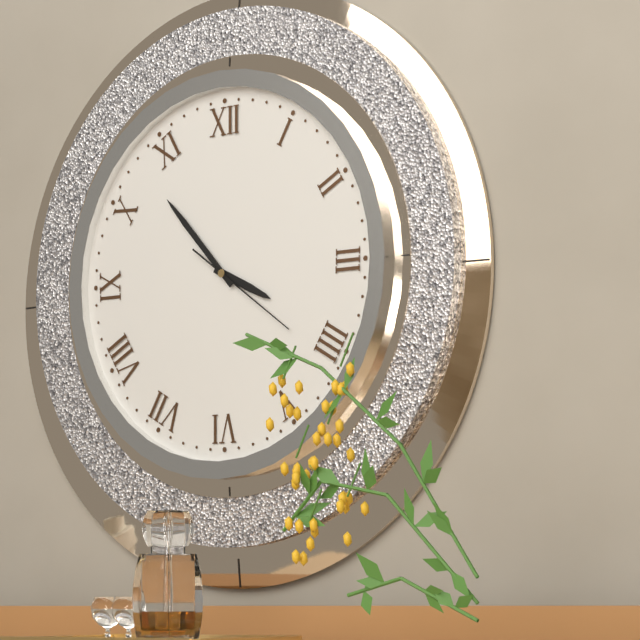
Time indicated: 3:53:21
